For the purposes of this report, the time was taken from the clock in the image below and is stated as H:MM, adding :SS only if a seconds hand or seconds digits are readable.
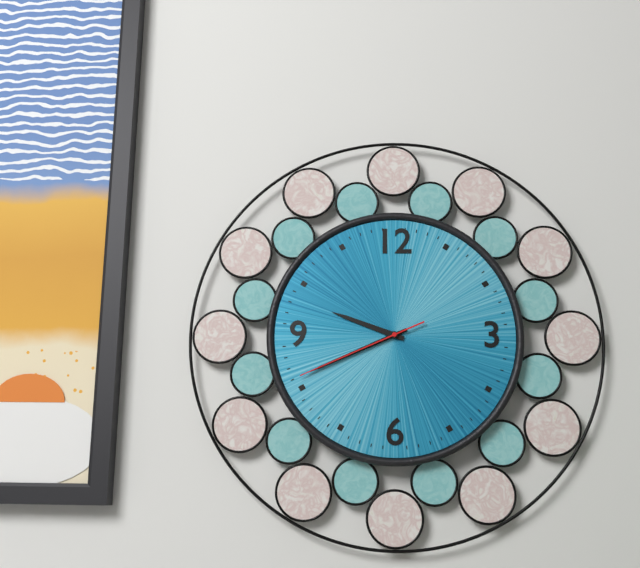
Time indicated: 9:41:41
